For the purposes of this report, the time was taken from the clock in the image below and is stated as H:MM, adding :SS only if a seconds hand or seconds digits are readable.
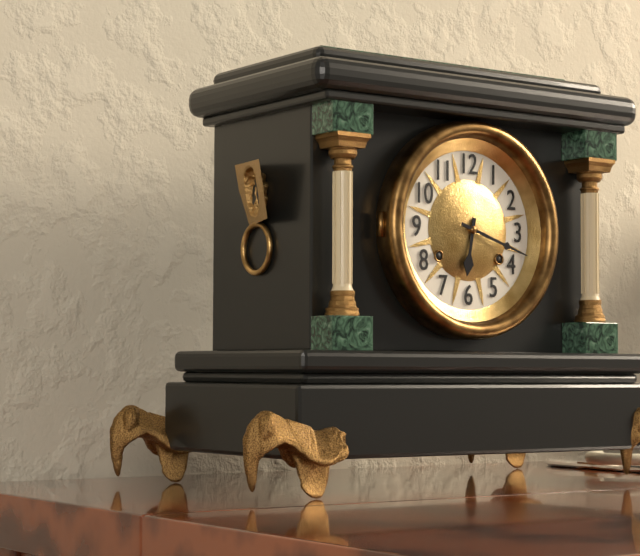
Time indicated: 6:18
